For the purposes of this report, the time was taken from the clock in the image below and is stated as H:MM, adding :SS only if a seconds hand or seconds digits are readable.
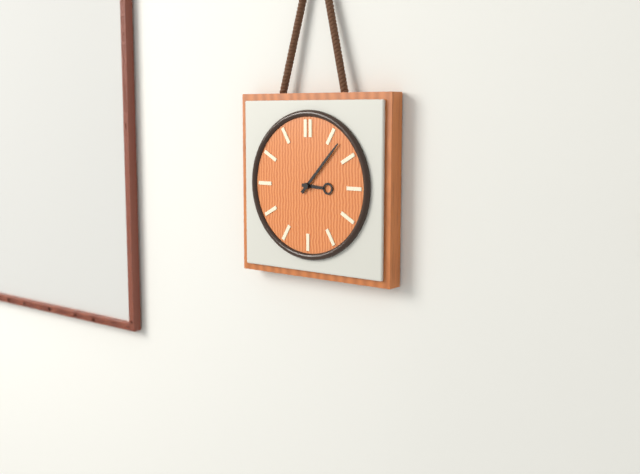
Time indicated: 3:07
